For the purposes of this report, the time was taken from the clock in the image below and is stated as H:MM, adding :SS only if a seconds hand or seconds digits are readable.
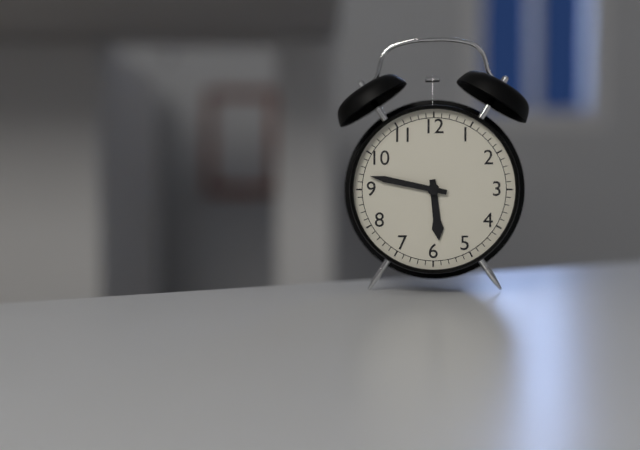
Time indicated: 5:47
